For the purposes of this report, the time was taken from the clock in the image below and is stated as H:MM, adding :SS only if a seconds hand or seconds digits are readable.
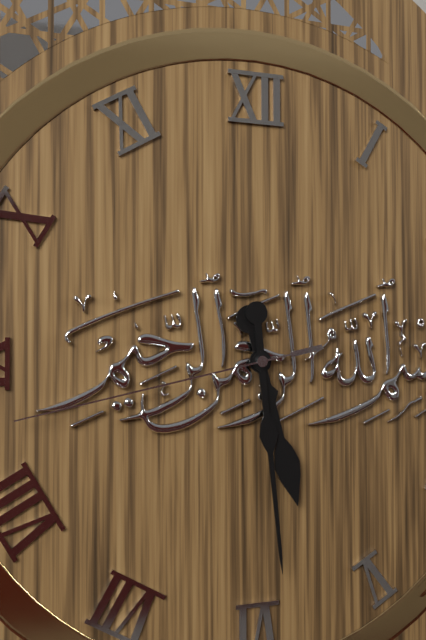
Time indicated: 5:29:43
